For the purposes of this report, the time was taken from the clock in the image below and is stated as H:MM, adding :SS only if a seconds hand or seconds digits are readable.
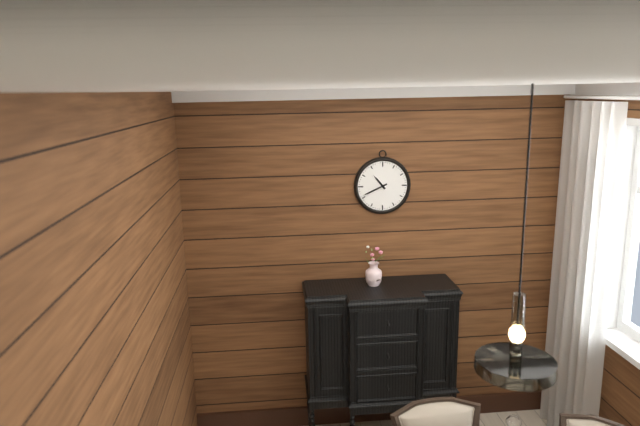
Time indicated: 10:41
